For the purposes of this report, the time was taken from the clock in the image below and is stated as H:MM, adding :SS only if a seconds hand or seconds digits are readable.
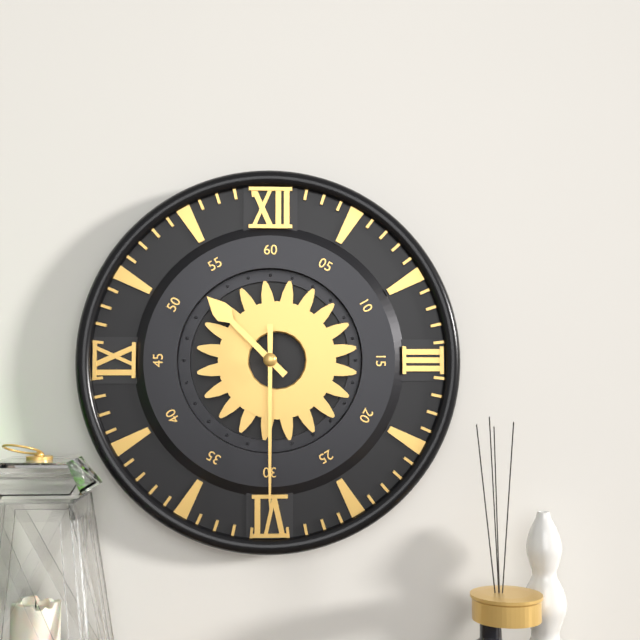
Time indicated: 10:30
